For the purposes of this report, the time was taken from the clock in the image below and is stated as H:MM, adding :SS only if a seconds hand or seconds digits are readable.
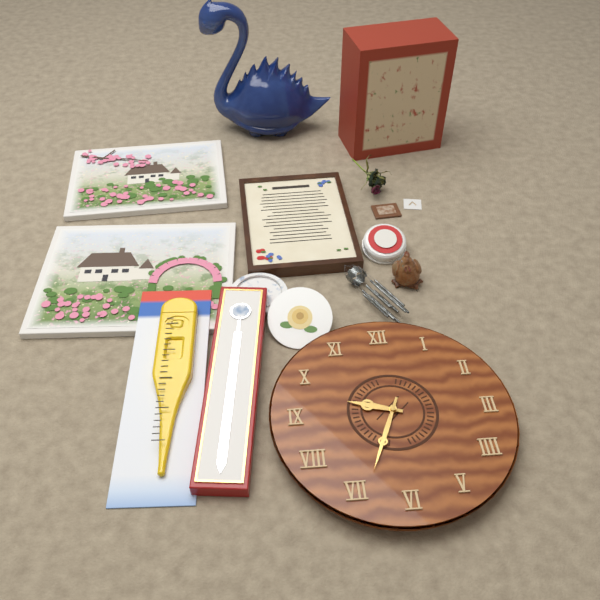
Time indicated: 9:34
